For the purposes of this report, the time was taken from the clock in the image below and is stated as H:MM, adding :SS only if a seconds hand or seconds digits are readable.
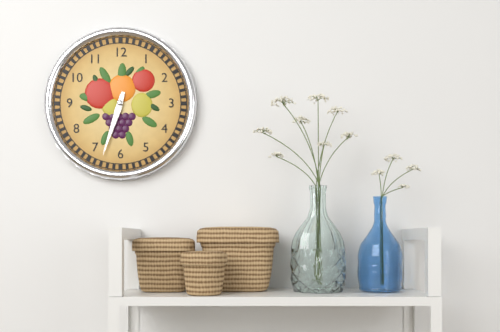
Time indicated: 6:33
